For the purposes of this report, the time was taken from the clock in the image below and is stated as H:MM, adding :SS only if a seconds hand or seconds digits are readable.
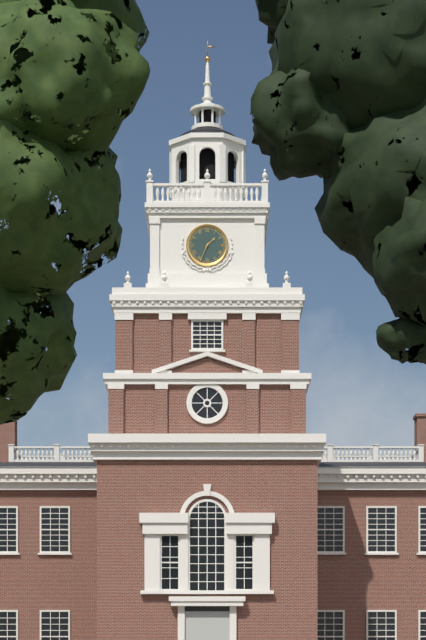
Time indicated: 1:34
